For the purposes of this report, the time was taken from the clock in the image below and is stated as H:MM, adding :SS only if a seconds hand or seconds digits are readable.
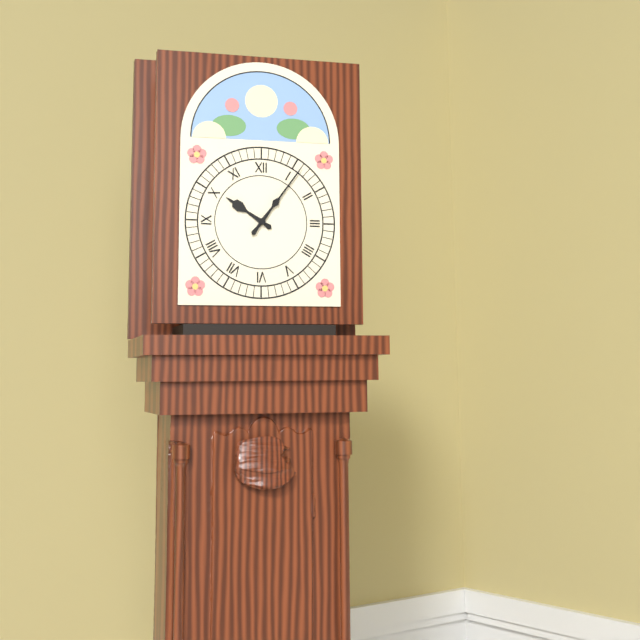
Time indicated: 10:06
